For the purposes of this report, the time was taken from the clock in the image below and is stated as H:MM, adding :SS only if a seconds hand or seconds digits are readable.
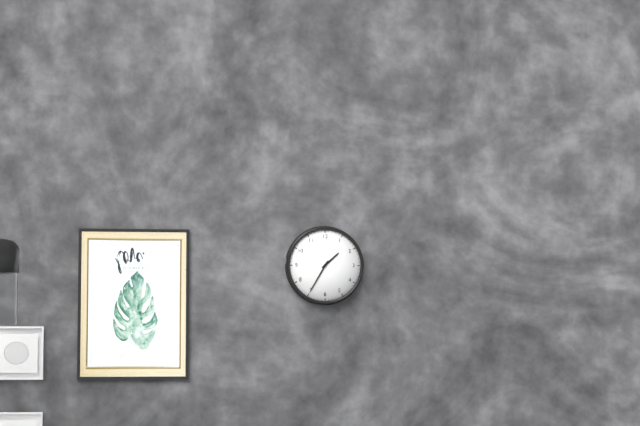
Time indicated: 1:35
